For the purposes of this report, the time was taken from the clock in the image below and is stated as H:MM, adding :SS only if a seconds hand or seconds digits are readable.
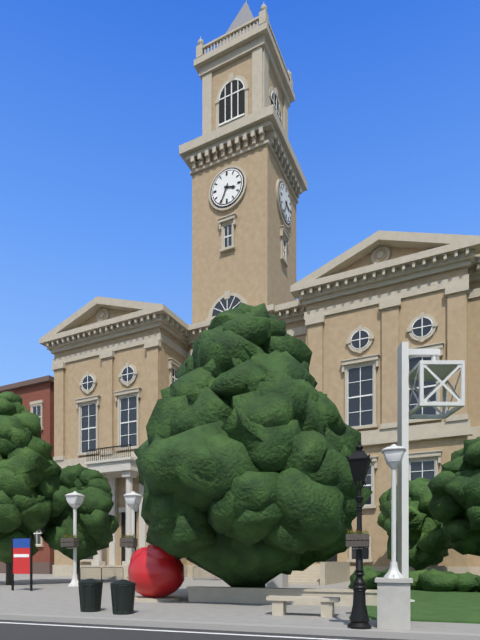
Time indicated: 3:34
